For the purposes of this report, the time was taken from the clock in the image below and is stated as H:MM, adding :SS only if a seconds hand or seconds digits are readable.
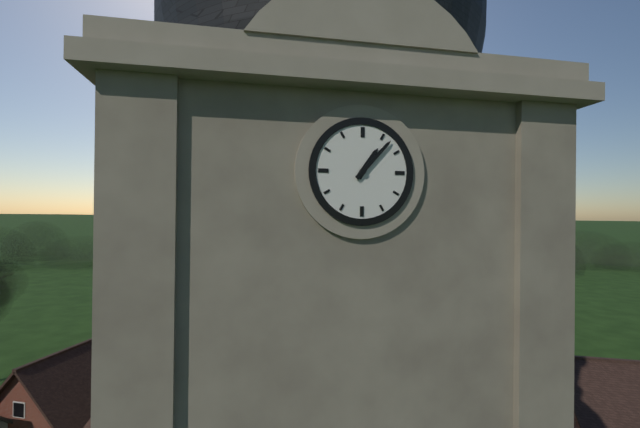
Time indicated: 1:07
